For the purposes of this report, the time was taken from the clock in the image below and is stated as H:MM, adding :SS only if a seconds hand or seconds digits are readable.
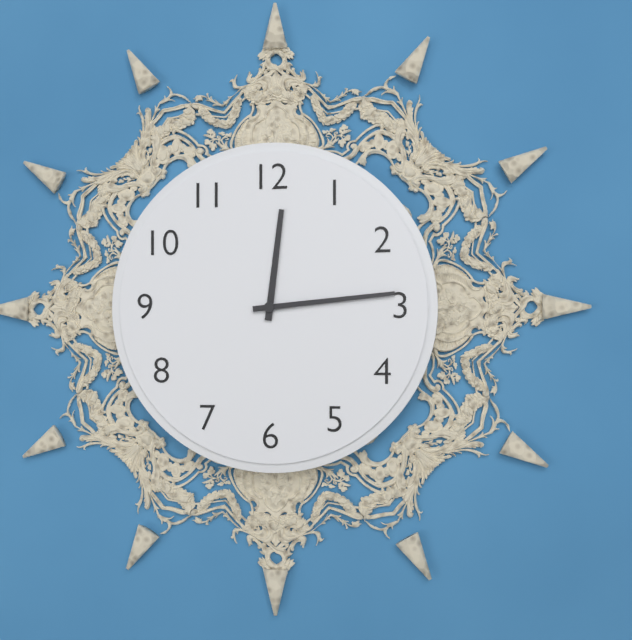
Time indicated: 12:14
